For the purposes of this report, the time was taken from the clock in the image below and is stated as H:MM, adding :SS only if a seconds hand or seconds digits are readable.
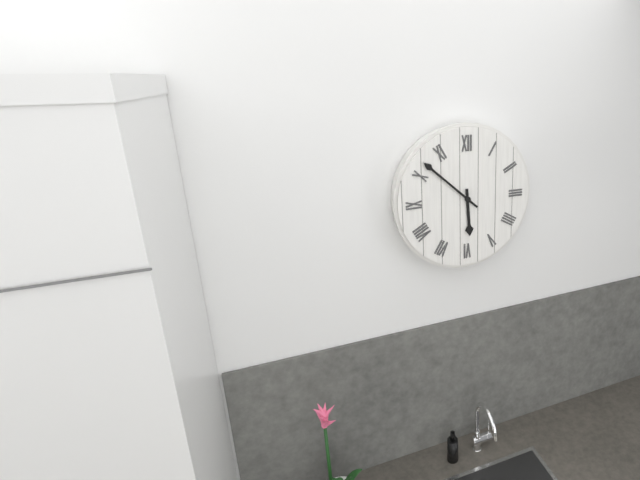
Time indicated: 5:52
